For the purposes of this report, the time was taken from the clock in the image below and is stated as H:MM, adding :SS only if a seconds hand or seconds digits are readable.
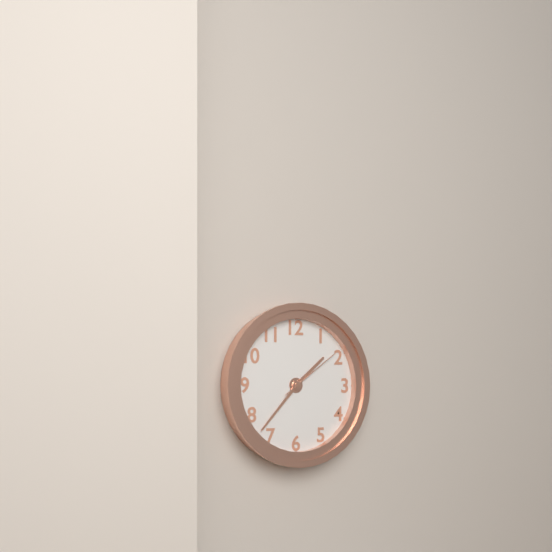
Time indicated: 1:37:09
